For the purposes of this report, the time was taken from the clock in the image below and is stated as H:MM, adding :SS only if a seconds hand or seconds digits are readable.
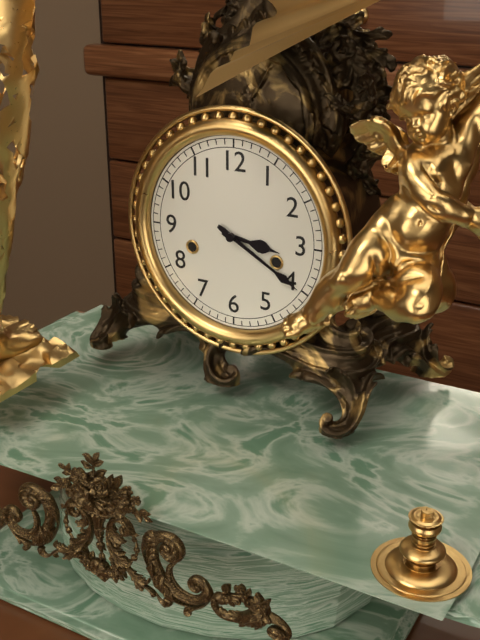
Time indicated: 3:20
